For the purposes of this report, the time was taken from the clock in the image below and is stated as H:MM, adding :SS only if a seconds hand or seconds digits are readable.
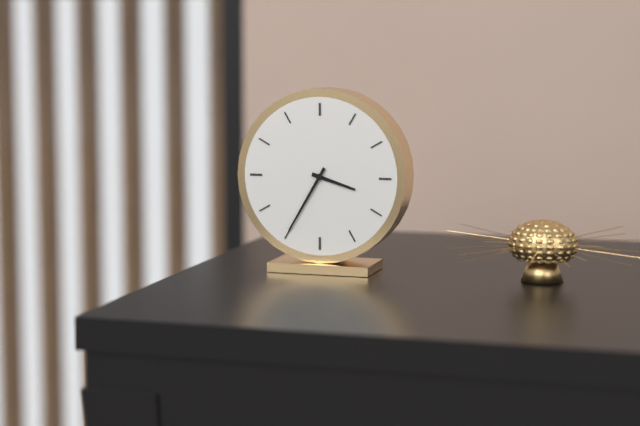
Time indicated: 3:35
